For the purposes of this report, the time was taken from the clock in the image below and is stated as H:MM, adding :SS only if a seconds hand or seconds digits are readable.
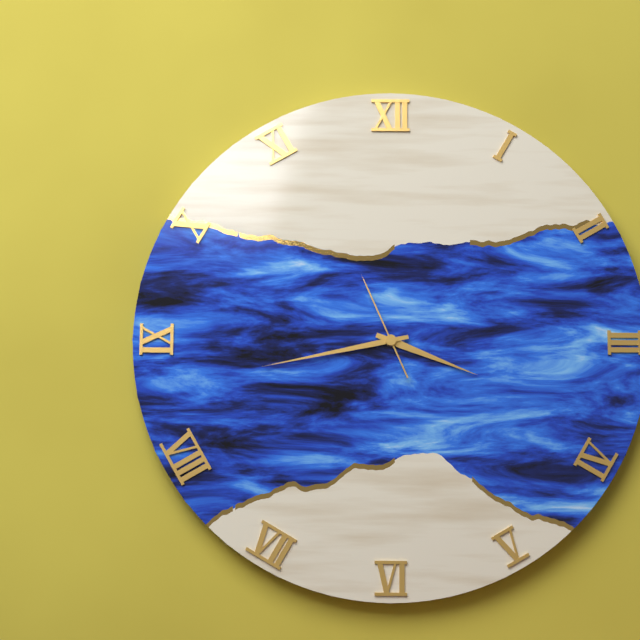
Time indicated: 3:43:56
